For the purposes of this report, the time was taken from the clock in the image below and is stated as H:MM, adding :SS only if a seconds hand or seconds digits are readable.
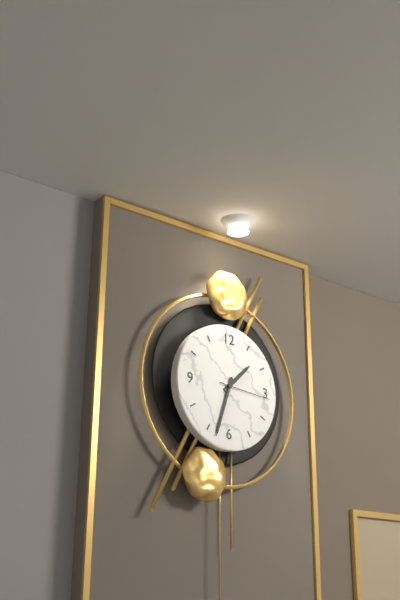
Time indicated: 1:33:16
